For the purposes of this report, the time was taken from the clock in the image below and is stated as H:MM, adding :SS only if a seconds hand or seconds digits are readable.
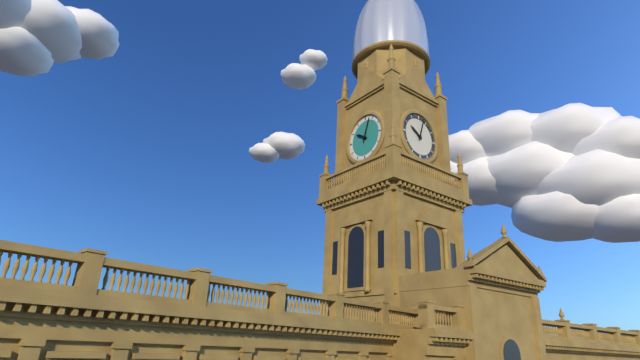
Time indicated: 10:03
